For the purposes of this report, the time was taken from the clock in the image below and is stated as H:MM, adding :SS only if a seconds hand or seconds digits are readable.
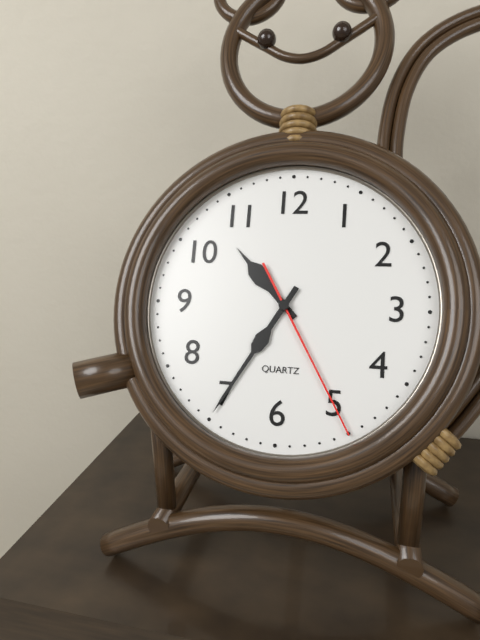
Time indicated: 10:35:25
